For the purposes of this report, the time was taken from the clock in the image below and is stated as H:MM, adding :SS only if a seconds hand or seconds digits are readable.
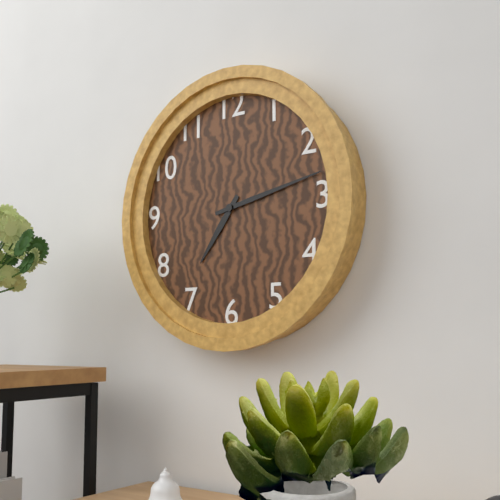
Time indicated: 7:13
